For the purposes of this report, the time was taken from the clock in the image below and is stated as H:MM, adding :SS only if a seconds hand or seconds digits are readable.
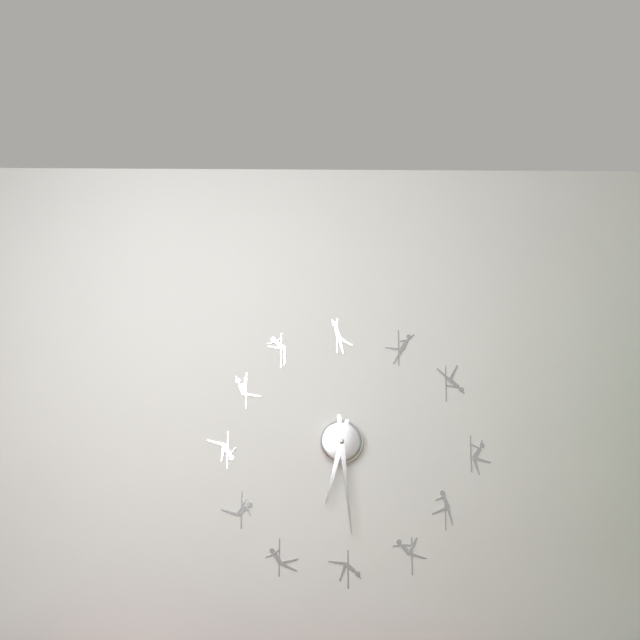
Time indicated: 6:29
